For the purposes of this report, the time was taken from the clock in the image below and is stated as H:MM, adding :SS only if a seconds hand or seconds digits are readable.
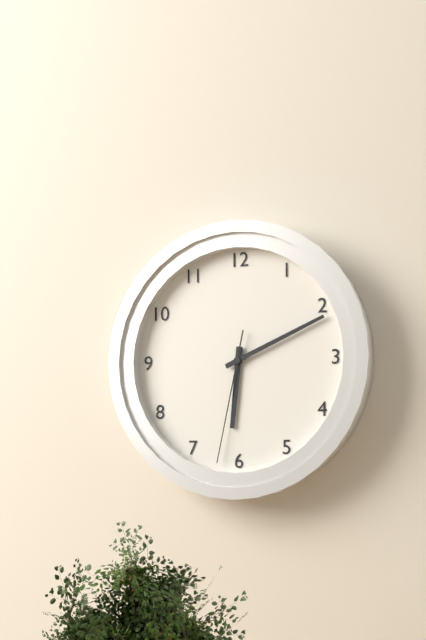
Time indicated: 6:11:32
